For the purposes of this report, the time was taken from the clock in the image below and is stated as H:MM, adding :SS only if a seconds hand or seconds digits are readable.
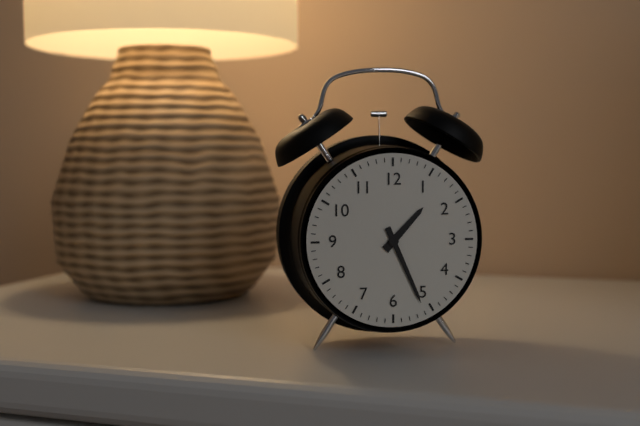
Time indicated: 1:26
